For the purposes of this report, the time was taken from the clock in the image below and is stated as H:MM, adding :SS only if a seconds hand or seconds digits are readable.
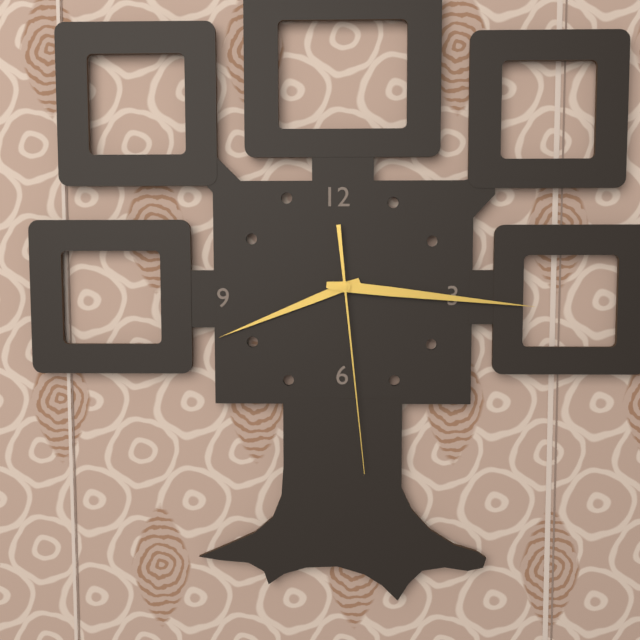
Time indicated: 8:16:29
